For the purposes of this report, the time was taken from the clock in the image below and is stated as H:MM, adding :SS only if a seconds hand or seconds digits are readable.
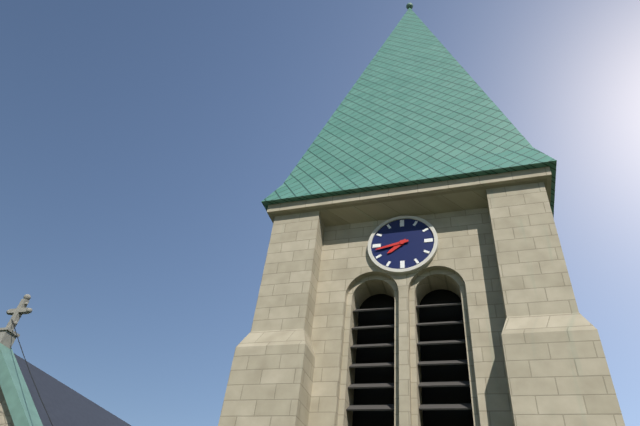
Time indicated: 7:43
